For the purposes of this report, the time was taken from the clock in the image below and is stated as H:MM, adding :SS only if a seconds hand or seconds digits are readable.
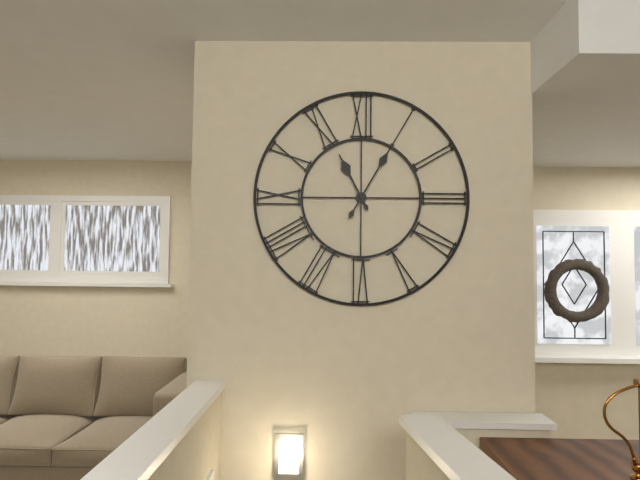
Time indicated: 11:05
